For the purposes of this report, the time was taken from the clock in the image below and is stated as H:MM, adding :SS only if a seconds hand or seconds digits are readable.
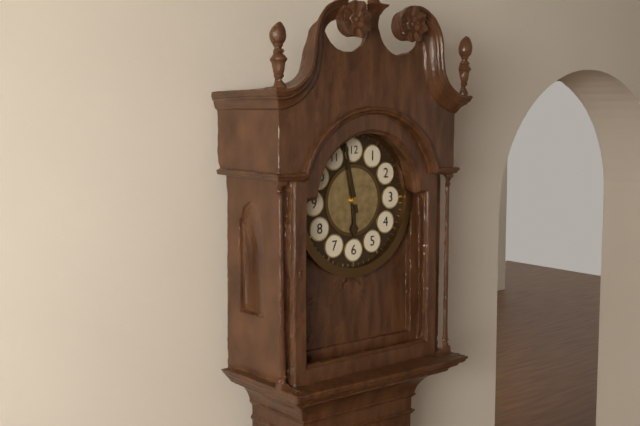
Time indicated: 5:58
